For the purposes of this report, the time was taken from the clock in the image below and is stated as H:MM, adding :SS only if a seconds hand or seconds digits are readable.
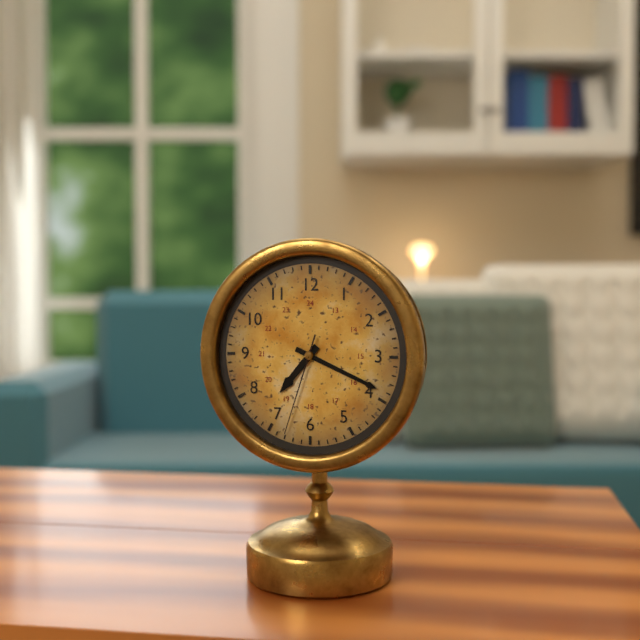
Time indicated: 7:19:33
